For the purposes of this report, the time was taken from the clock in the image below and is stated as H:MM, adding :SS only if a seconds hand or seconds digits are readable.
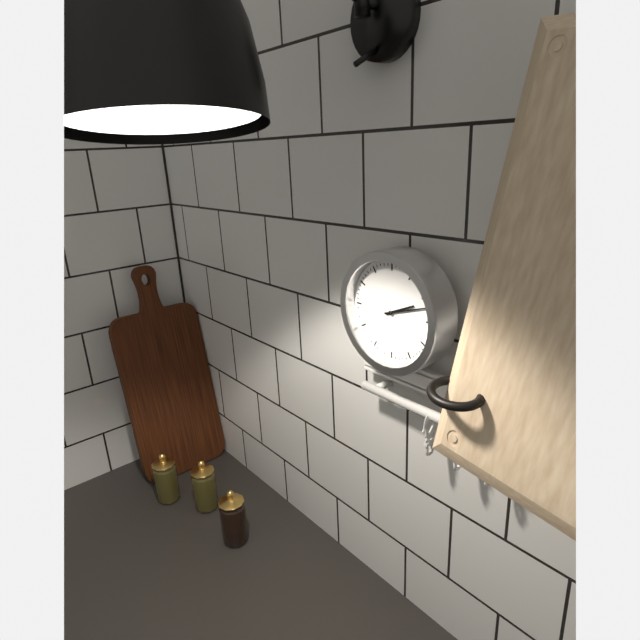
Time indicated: 2:12
